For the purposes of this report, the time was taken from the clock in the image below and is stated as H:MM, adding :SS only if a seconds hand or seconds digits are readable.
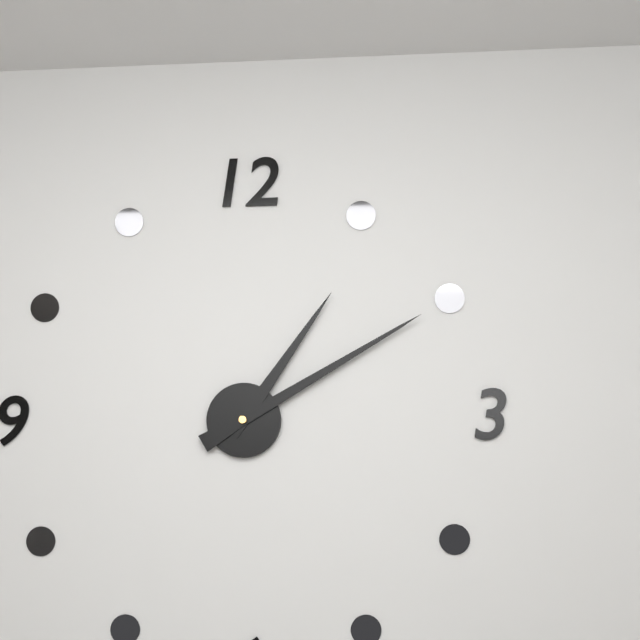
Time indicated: 1:10
